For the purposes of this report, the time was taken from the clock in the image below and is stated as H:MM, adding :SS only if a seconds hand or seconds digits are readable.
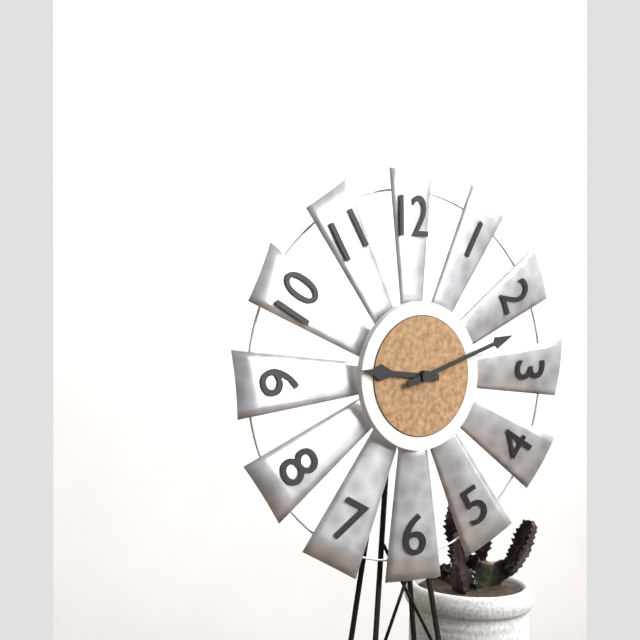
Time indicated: 9:12
